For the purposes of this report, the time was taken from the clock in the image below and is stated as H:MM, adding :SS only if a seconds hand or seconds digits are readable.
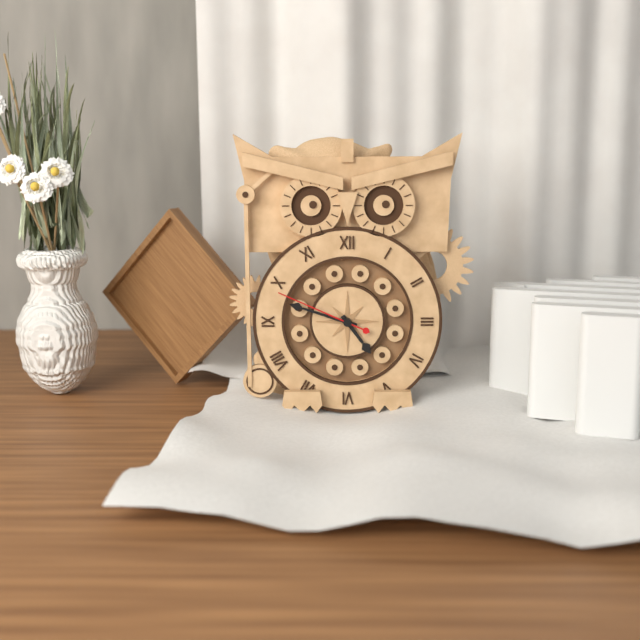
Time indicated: 4:48:49
